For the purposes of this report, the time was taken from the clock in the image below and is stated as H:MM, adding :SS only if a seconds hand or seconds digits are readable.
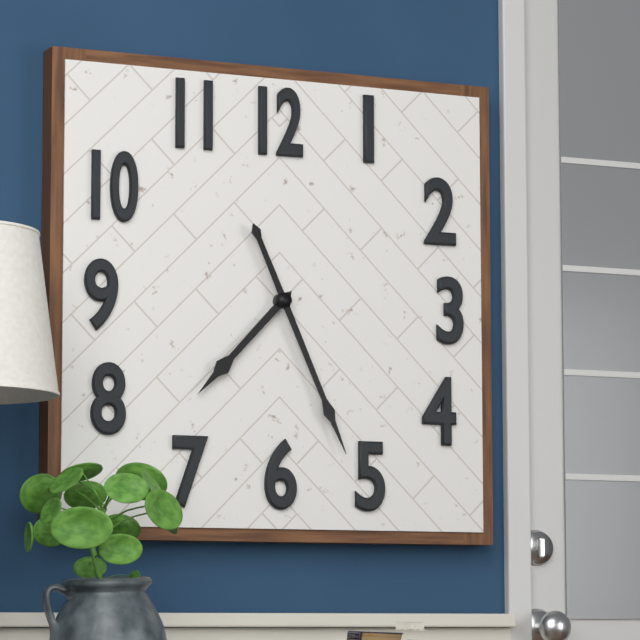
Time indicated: 7:26
